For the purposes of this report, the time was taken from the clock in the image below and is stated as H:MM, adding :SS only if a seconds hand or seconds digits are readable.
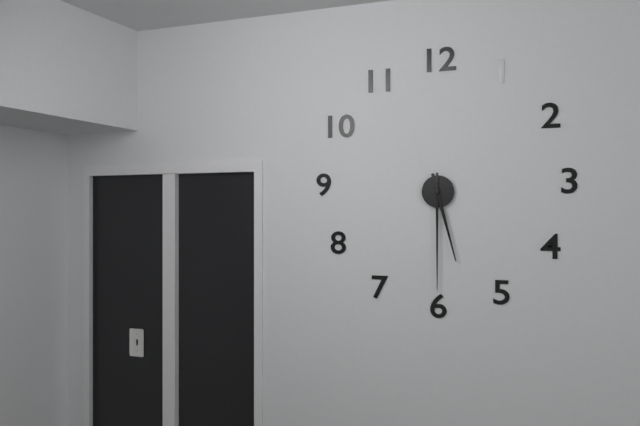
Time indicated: 5:30
